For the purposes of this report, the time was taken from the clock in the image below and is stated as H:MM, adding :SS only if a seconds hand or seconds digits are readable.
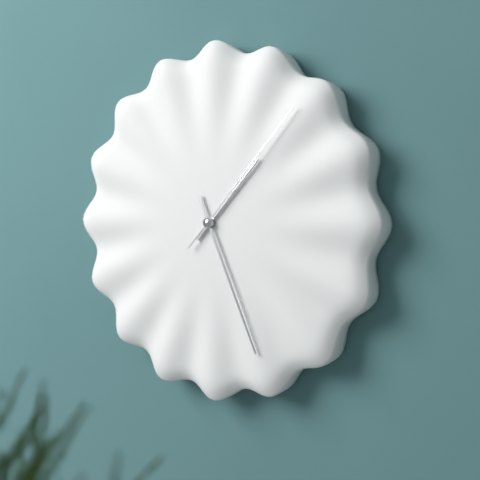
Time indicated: 1:26:07
